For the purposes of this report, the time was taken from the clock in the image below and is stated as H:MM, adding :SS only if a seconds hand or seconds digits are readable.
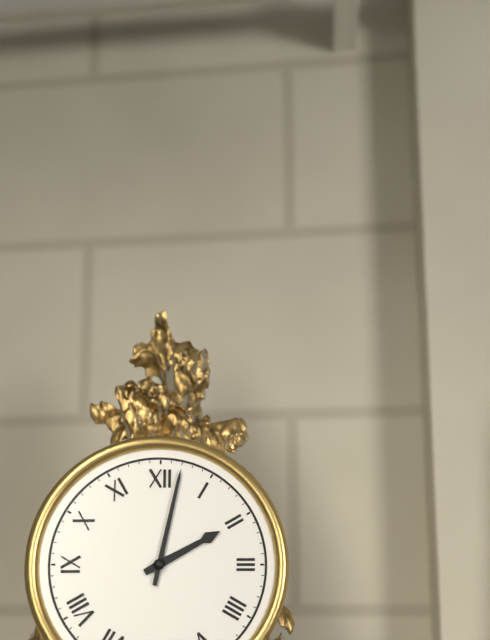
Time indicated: 2:02
